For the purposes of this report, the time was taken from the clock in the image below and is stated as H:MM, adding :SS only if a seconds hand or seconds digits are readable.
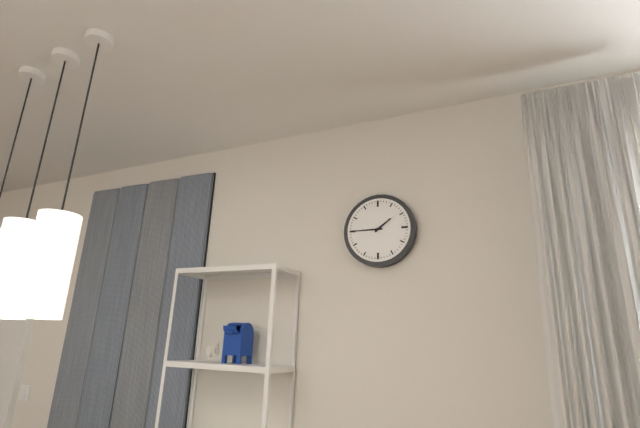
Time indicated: 1:45
